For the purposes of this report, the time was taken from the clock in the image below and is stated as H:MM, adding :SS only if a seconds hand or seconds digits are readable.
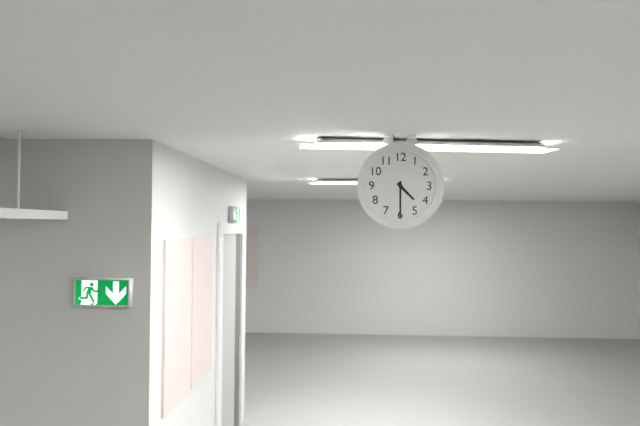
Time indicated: 4:30
